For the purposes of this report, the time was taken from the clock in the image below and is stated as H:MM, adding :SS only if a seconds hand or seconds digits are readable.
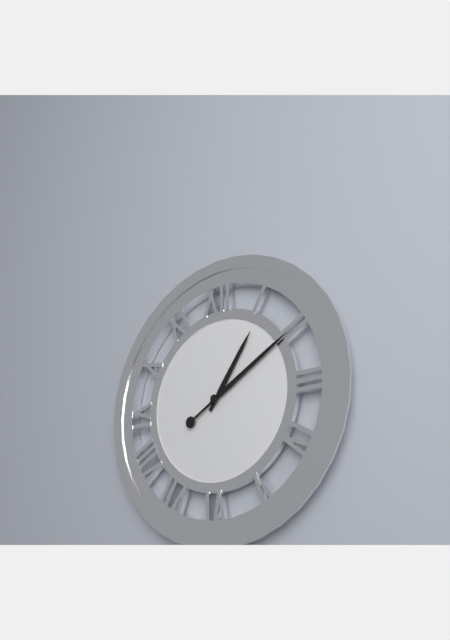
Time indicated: 1:10
